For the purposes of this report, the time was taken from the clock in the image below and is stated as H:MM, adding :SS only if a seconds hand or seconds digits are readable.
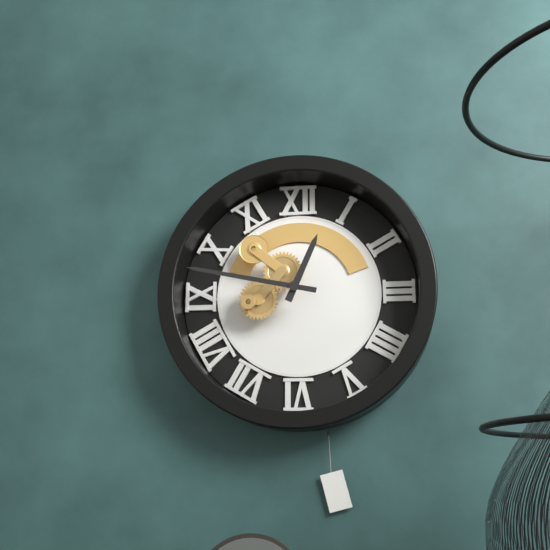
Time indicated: 12:47
